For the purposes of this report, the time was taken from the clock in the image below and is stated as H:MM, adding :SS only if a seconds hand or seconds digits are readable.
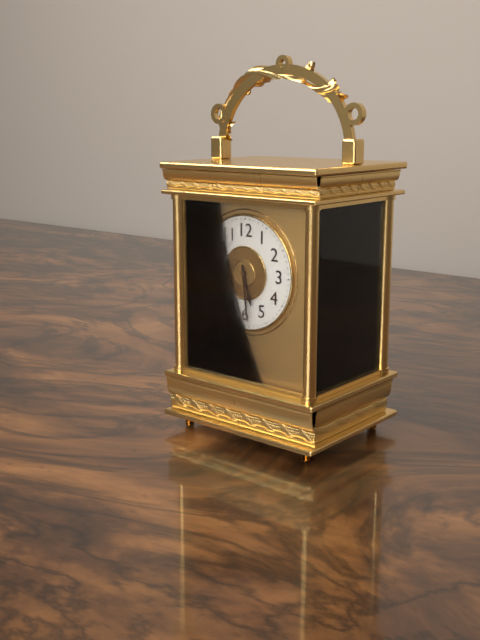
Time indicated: 5:29
